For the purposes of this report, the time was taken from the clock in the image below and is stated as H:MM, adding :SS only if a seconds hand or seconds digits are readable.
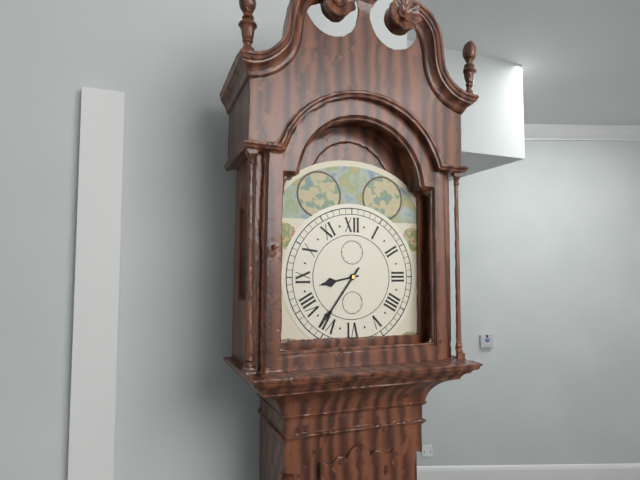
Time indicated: 8:36
